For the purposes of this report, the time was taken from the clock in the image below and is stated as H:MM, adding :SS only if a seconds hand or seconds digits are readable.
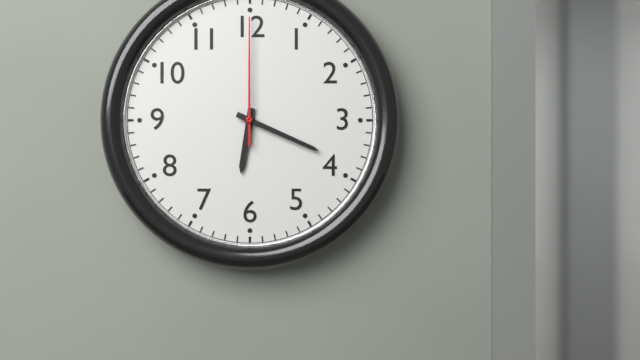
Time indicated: 6:19:00
